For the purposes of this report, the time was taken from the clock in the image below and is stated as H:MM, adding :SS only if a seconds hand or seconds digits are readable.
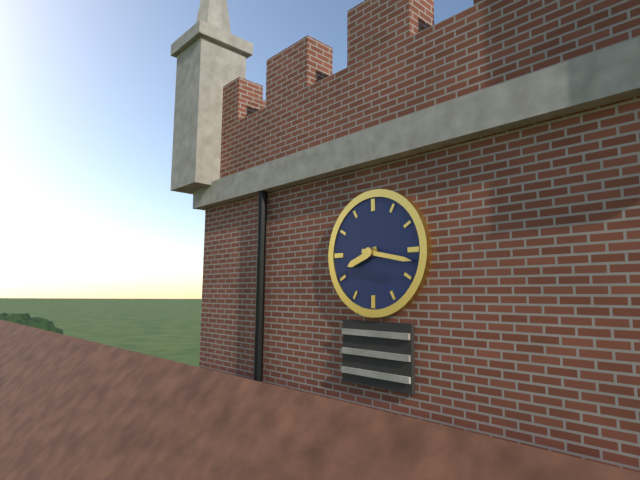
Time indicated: 8:17
